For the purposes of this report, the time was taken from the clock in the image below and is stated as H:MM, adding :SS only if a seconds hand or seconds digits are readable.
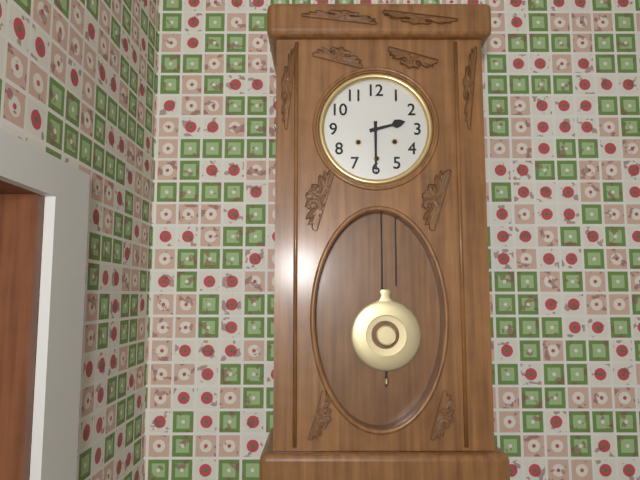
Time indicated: 2:30
